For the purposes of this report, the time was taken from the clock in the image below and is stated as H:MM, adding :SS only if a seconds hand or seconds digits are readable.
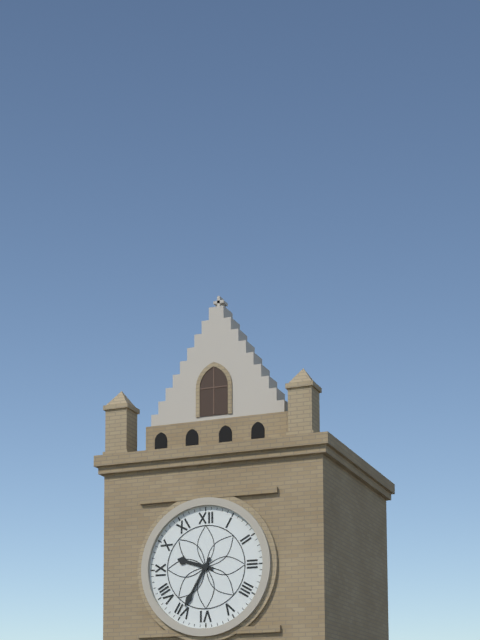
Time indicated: 9:35
